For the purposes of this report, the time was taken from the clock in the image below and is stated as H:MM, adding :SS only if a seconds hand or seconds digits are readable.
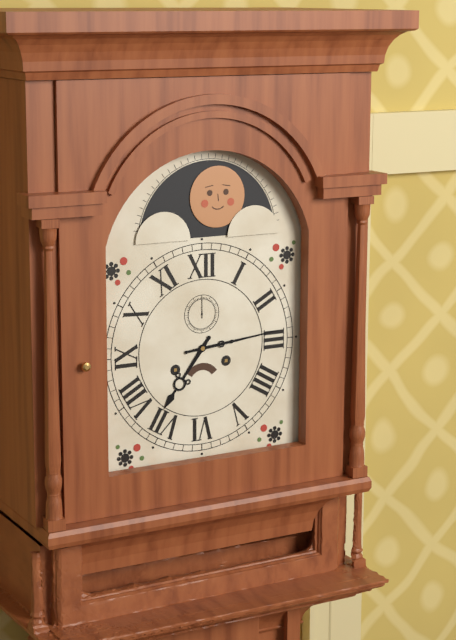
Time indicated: 7:14
